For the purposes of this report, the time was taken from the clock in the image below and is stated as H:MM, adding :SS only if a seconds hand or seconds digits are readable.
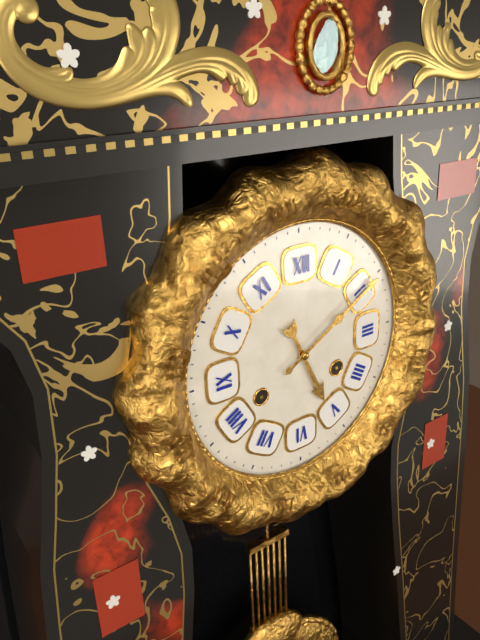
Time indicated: 5:10
